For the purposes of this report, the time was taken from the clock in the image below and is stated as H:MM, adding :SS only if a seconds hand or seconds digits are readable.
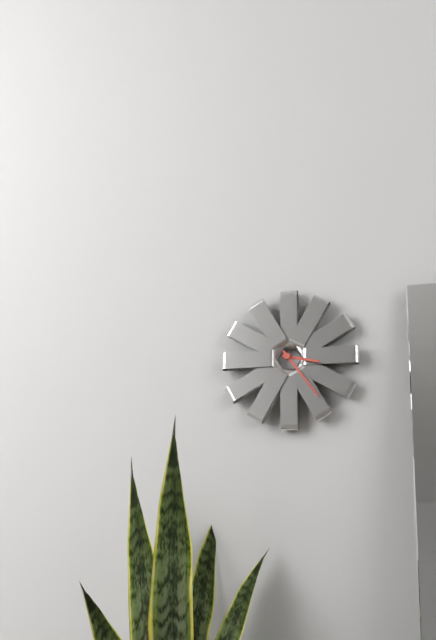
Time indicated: 3:24
